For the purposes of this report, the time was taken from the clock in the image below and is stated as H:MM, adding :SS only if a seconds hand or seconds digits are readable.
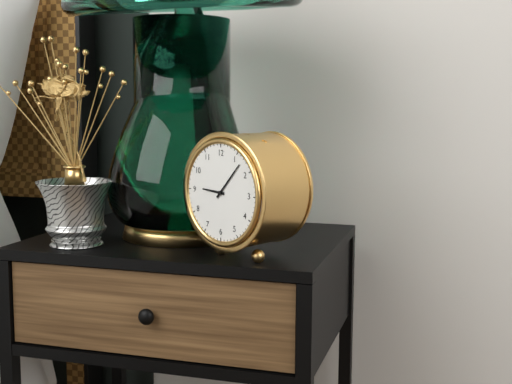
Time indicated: 9:07
